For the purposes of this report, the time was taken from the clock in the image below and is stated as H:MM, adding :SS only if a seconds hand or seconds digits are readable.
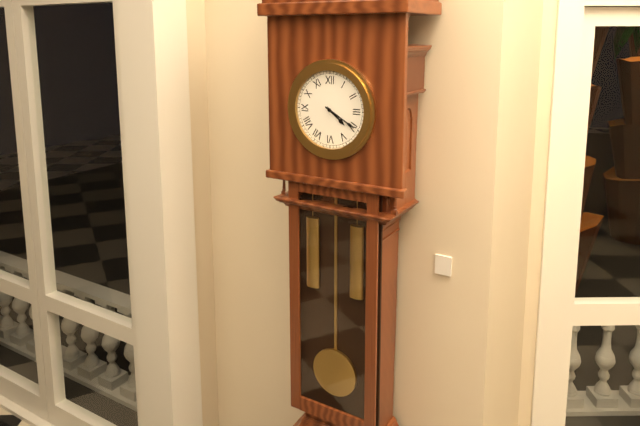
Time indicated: 4:20
